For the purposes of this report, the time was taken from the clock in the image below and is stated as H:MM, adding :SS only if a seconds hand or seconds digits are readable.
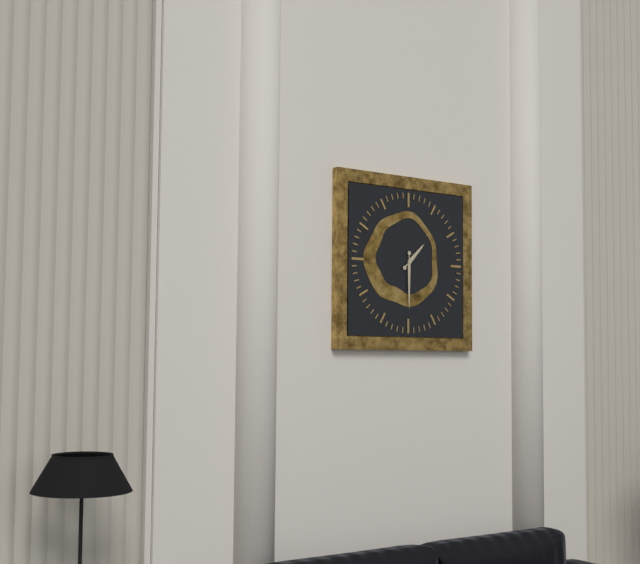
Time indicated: 1:30
